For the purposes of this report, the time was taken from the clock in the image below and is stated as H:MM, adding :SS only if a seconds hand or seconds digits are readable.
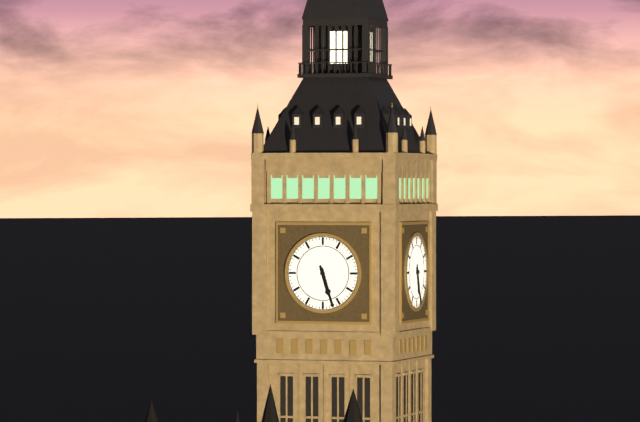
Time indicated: 5:27
